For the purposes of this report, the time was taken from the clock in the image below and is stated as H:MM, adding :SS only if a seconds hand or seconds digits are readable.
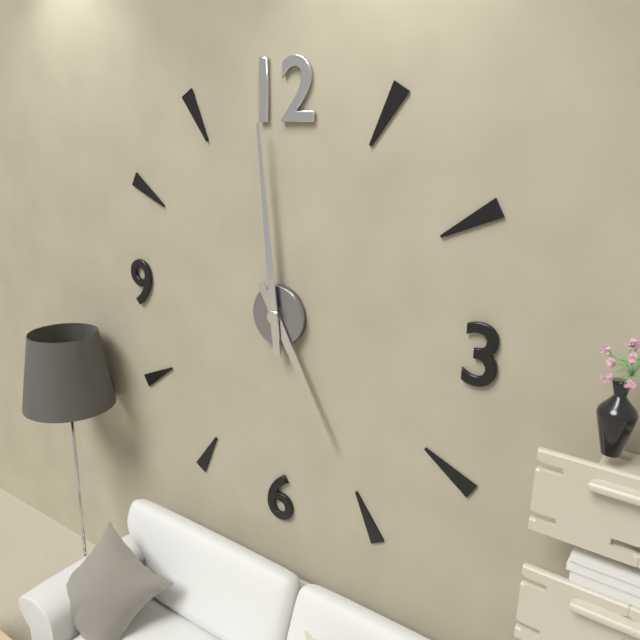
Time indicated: 4:59
